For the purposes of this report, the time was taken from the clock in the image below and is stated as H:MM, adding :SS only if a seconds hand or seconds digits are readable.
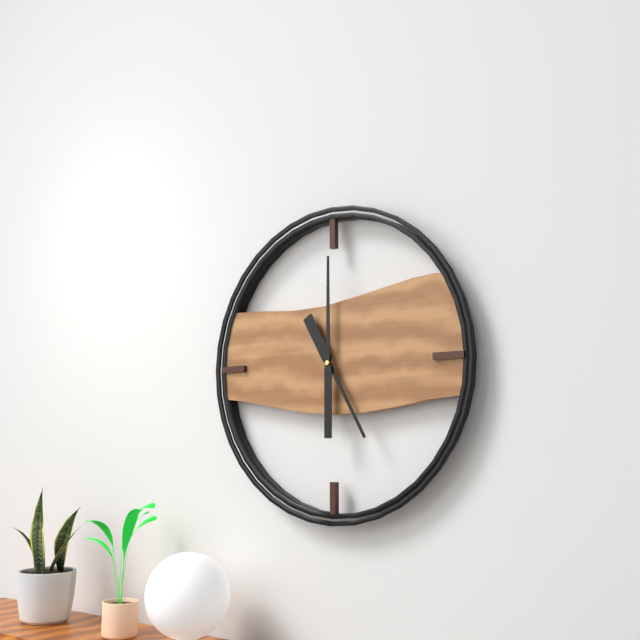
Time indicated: 5:00
